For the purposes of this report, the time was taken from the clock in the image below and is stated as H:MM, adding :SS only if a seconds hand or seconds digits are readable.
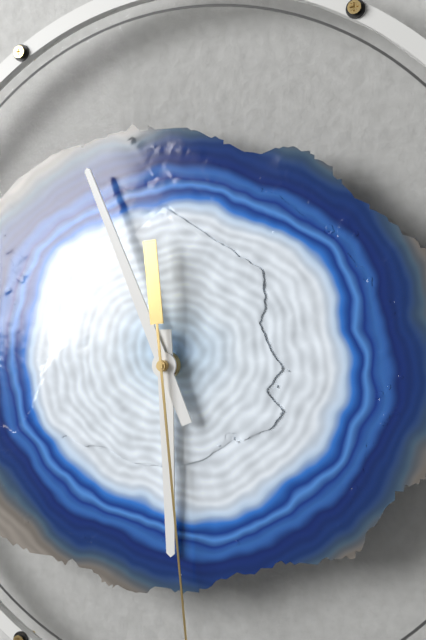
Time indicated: 5:56
